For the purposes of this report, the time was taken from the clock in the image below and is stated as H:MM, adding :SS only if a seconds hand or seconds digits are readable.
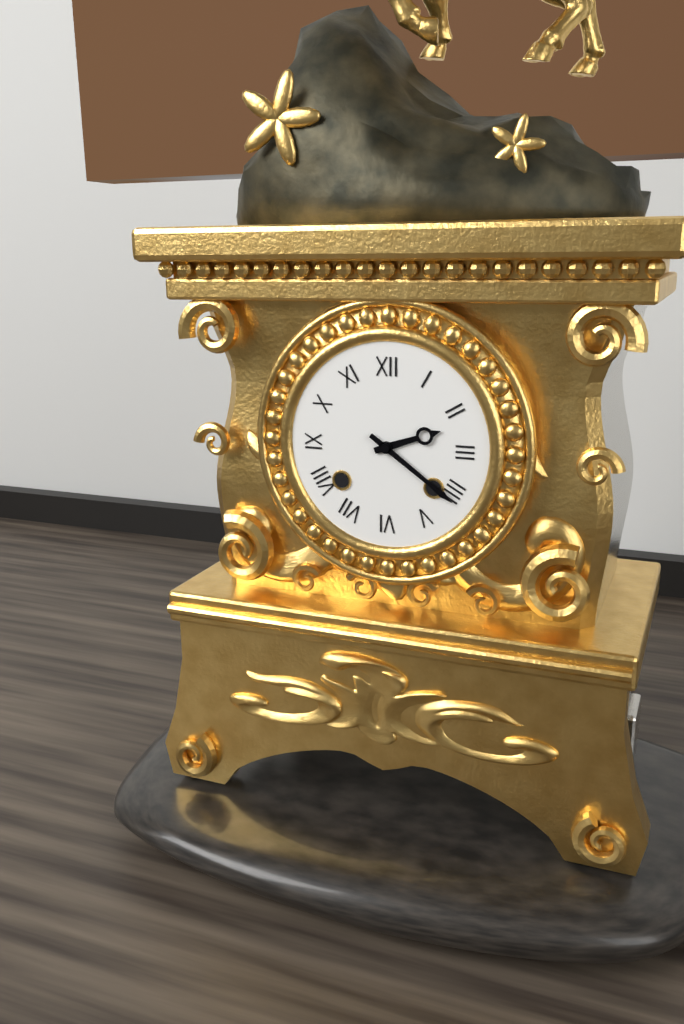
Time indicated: 2:21
